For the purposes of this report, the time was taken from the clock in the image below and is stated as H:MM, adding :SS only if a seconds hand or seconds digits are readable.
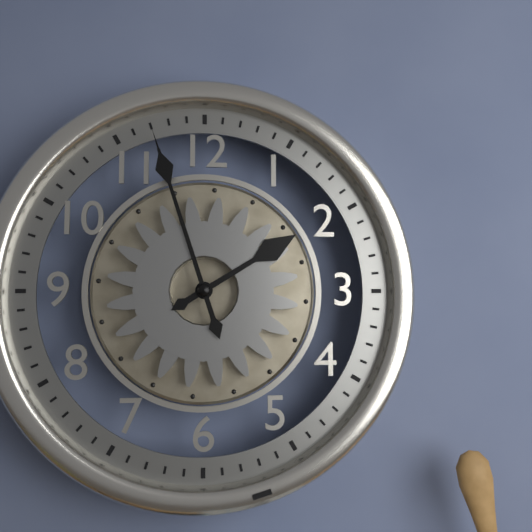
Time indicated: 1:57
